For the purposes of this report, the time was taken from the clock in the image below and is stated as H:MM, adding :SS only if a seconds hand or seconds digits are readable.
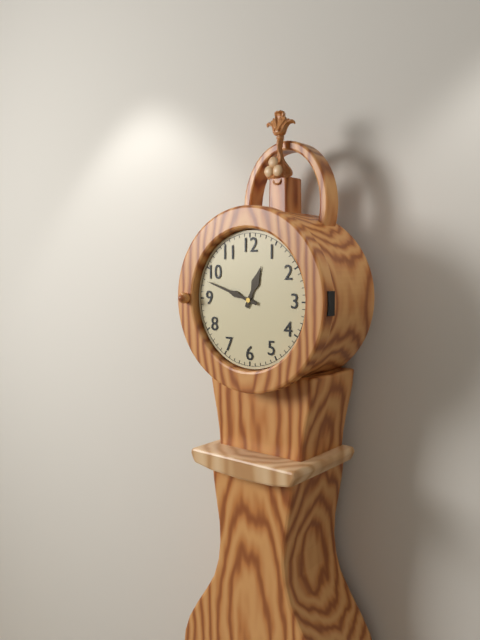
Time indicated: 12:48
